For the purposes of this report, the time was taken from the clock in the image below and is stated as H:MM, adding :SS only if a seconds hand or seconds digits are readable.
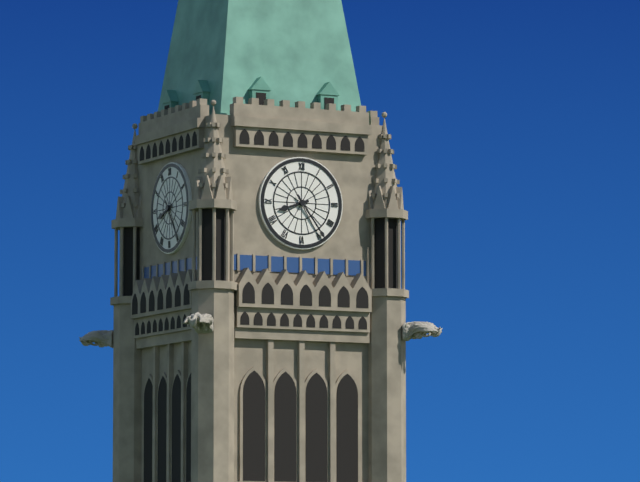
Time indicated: 8:24
